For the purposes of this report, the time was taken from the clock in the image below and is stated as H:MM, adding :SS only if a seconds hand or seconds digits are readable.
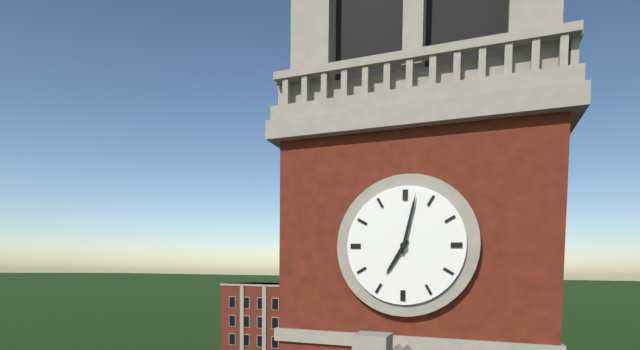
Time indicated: 7:02
